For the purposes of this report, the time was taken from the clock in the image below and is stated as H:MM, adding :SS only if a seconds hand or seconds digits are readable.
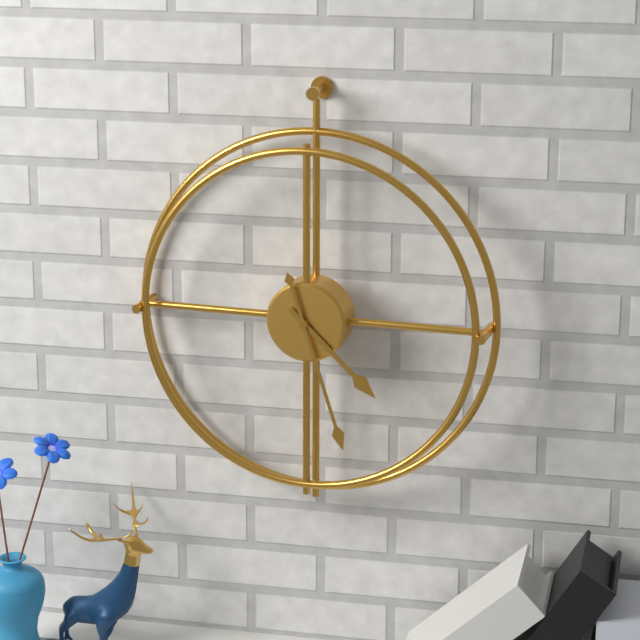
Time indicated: 4:27
